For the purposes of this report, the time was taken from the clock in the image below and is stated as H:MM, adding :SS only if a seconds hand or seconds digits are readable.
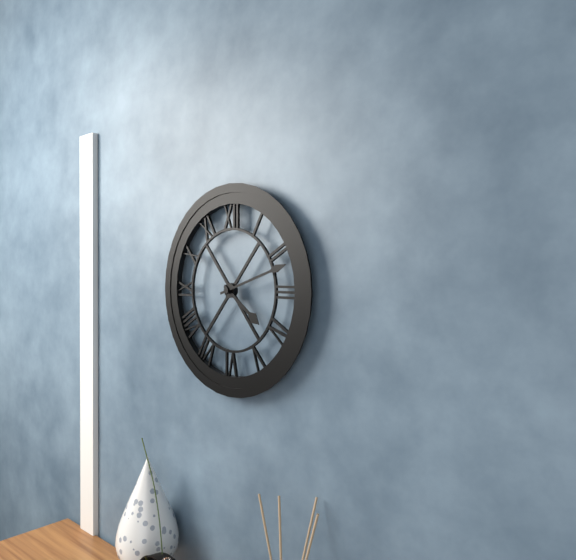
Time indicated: 4:12
